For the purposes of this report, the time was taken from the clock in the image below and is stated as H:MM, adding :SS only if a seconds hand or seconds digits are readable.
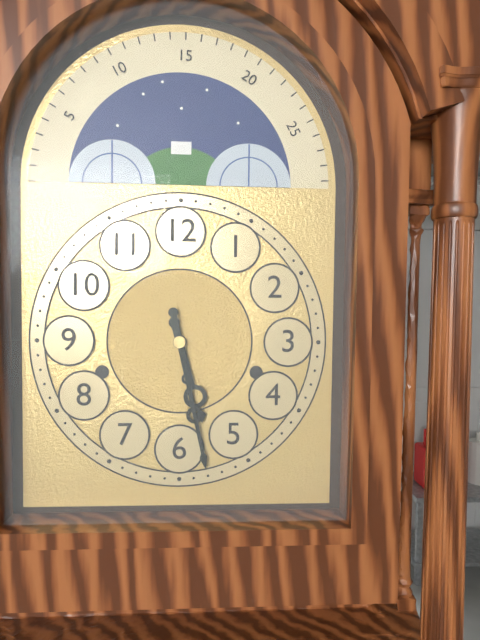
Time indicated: 5:28
